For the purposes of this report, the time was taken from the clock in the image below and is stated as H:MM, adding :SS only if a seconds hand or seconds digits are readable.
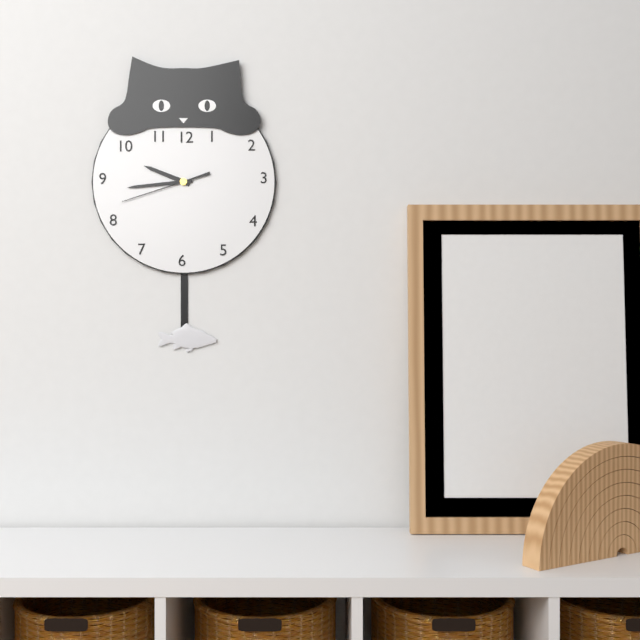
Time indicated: 9:44:42
